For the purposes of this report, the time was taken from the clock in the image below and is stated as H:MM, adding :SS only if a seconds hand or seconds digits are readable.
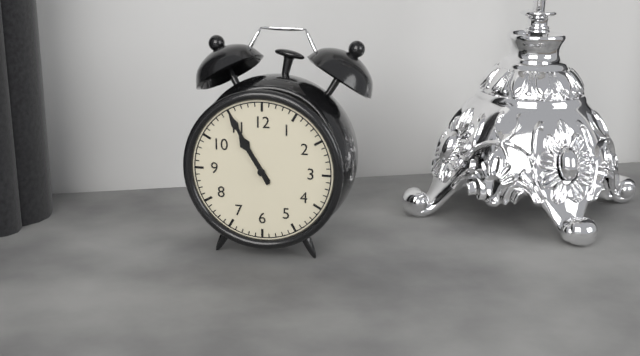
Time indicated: 10:55
